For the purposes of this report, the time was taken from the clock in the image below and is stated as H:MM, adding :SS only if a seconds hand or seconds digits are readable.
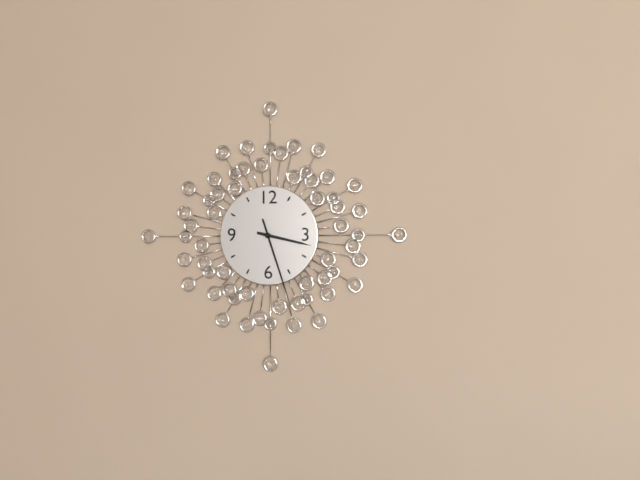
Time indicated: 3:27
